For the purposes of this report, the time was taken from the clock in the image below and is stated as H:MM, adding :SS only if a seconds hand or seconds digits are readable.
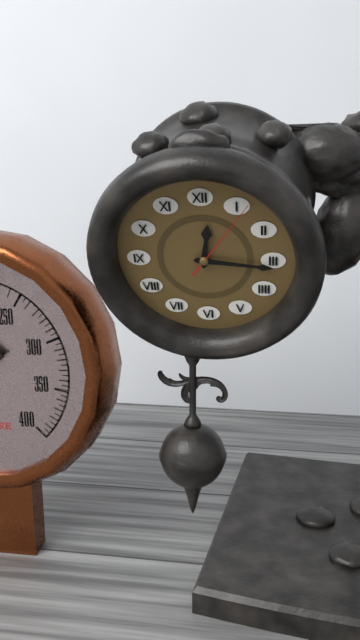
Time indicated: 12:16:06
